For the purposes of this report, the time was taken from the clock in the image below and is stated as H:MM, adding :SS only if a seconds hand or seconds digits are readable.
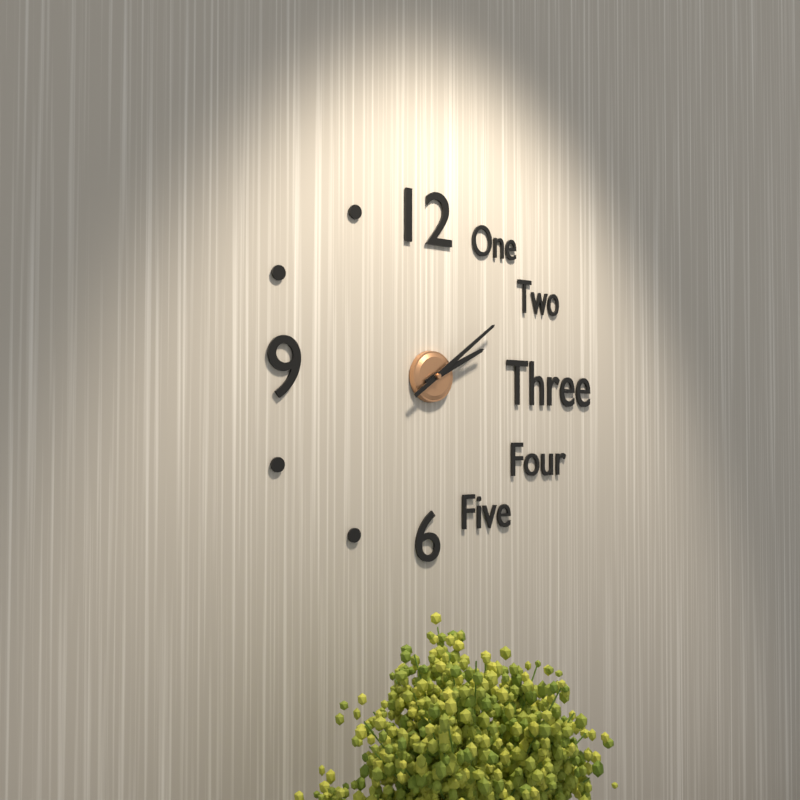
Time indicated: 2:09
